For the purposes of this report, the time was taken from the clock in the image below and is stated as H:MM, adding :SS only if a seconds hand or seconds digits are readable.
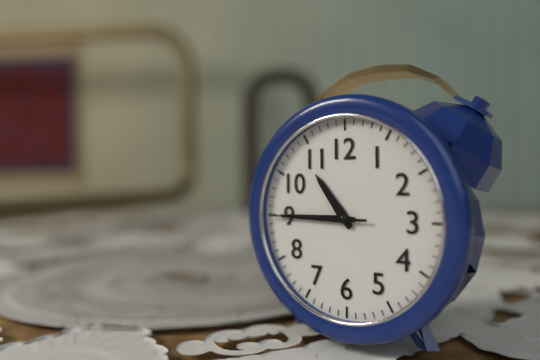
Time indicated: 10:45:45
